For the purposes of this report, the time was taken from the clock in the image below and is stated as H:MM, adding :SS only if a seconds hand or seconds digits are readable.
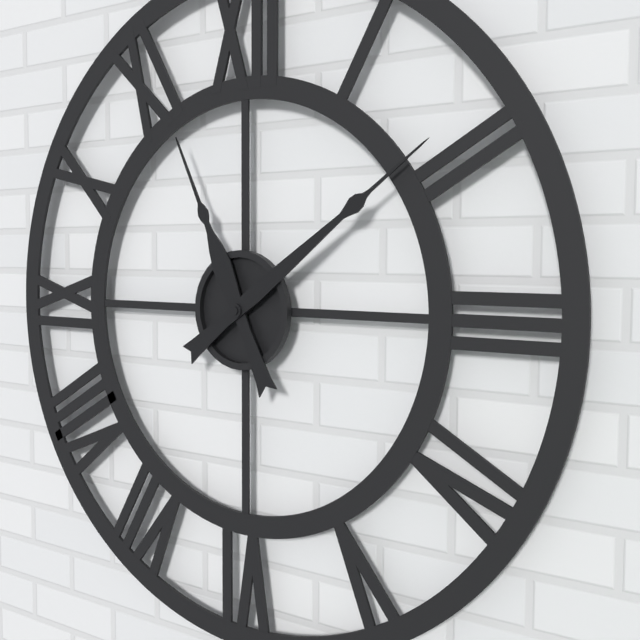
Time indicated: 11:09
